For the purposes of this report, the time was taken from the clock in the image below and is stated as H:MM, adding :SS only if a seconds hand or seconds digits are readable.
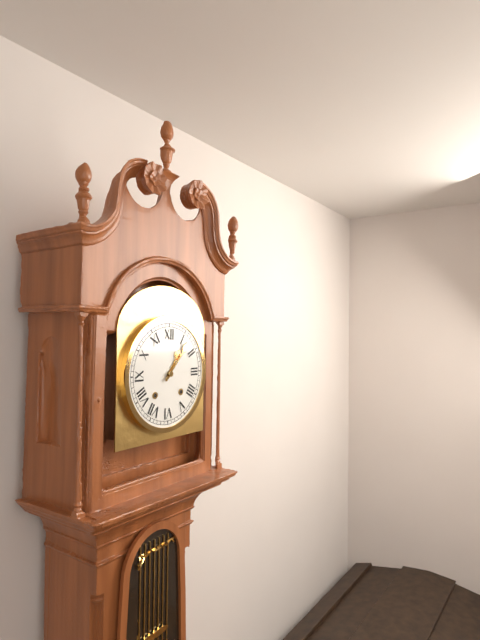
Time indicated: 1:07
